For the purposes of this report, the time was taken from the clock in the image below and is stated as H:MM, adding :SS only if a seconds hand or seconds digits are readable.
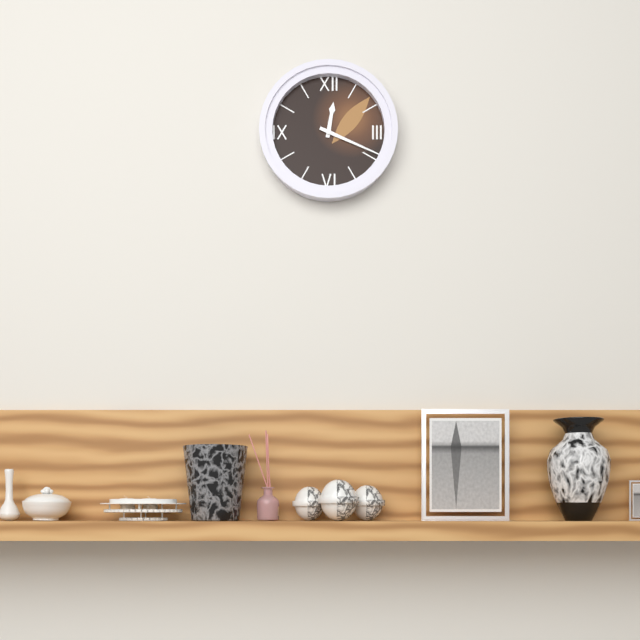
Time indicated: 12:19
